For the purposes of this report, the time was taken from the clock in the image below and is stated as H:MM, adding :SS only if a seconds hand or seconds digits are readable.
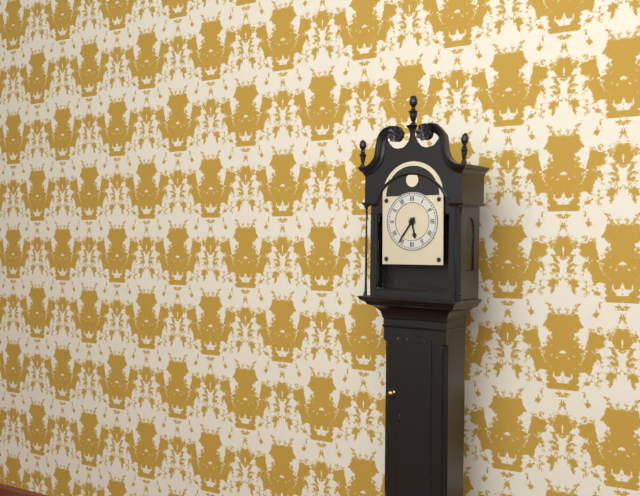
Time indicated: 5:36
